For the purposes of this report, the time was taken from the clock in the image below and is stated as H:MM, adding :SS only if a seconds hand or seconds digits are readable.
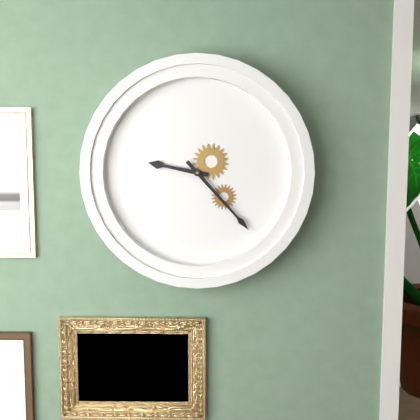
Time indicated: 9:23
